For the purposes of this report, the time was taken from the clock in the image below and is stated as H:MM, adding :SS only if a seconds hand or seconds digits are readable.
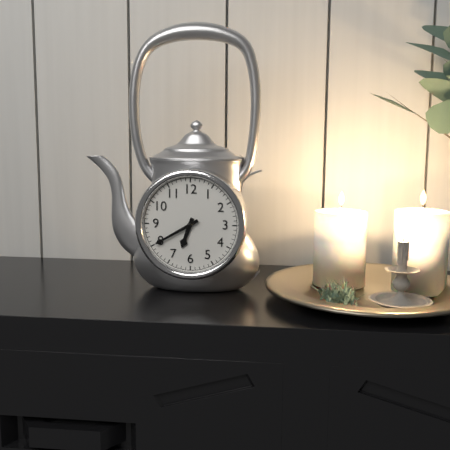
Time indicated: 6:40
